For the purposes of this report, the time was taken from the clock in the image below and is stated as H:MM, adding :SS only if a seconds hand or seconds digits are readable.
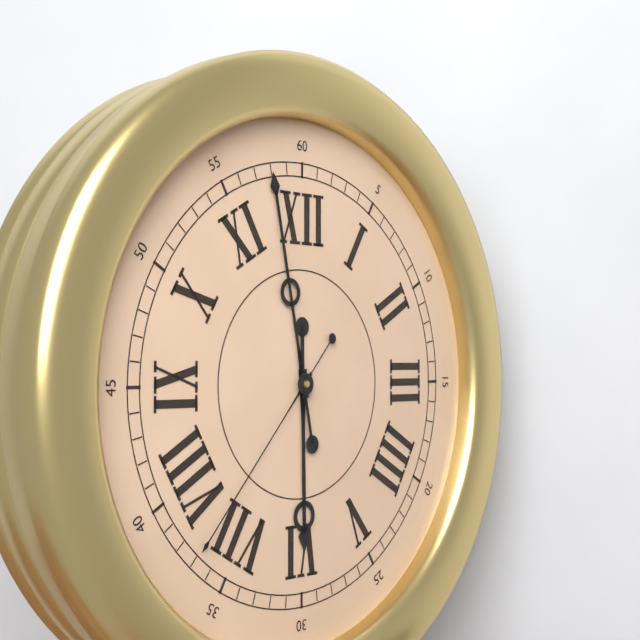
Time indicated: 5:58:37
